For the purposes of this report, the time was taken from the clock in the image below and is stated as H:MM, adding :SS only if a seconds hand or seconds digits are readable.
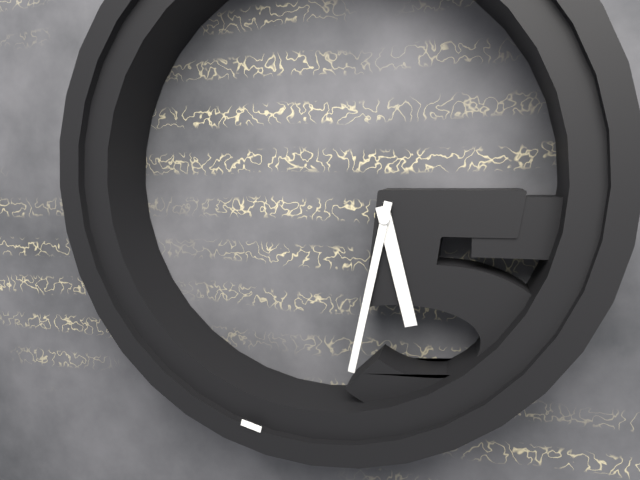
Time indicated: 5:32
